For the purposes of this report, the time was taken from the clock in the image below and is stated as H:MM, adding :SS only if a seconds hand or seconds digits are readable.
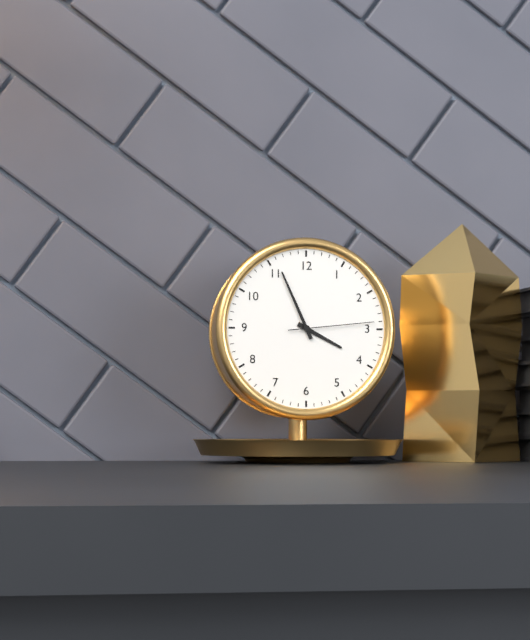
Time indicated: 3:56:14
